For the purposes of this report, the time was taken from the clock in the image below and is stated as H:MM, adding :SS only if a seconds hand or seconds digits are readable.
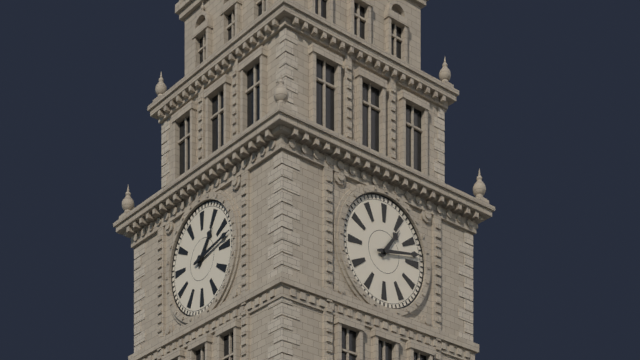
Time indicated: 1:13
